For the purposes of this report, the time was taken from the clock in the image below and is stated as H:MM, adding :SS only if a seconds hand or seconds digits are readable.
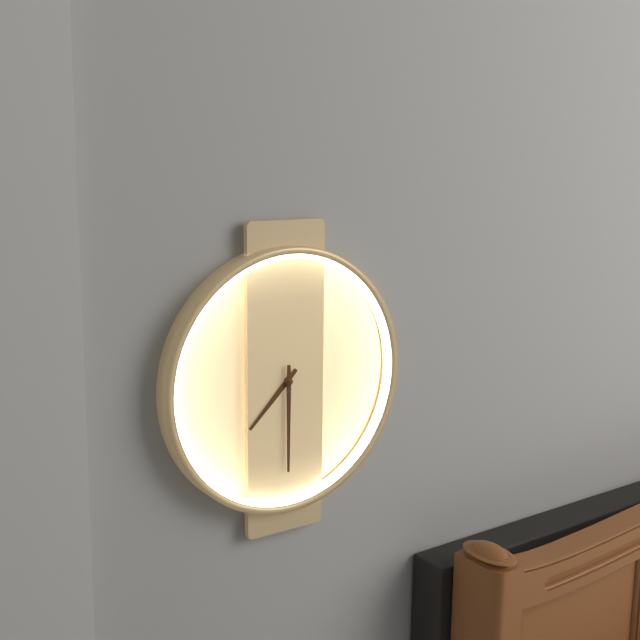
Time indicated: 7:30
